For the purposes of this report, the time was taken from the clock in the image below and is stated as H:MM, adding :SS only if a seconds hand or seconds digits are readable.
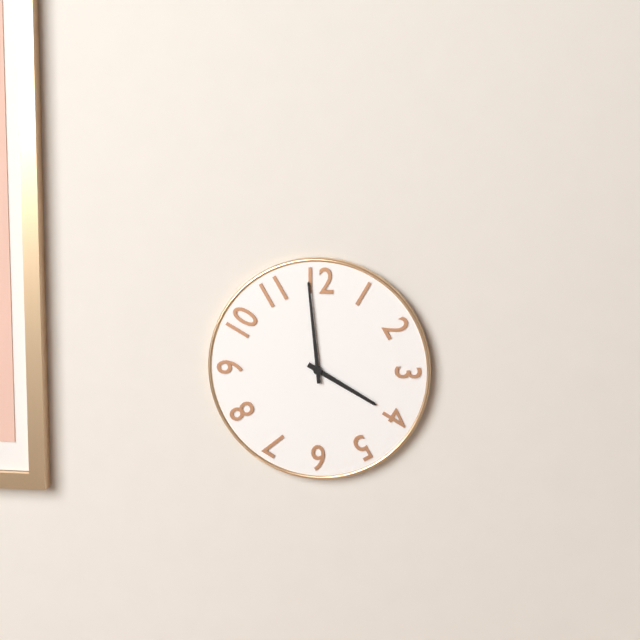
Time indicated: 3:59
